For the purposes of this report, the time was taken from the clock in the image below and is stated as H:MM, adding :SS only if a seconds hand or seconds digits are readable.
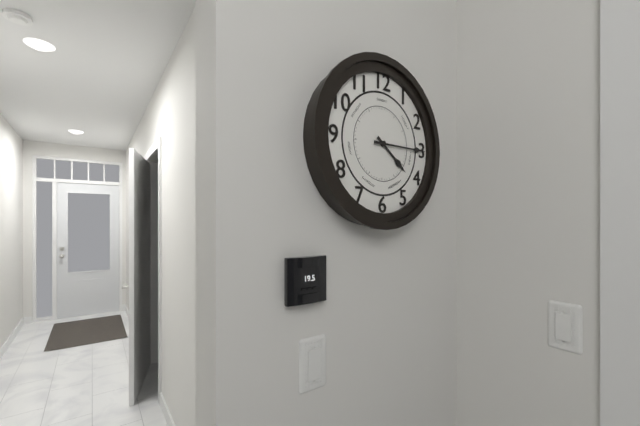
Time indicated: 4:15
